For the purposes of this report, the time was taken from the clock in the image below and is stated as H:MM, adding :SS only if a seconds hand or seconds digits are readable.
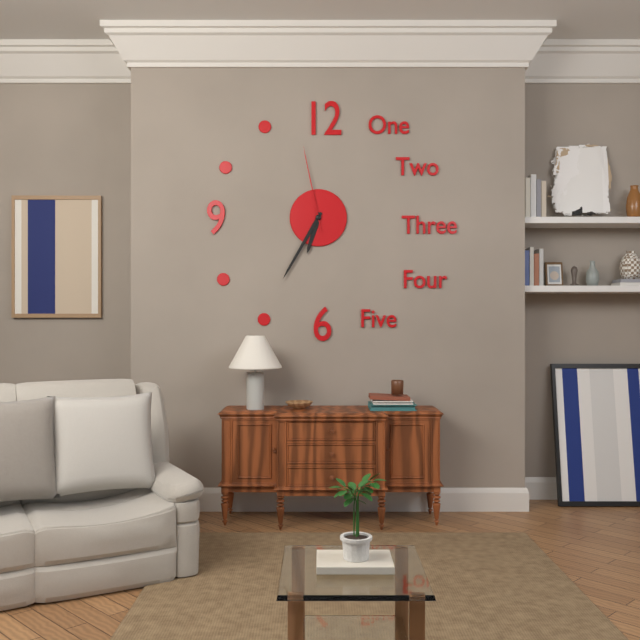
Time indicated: 6:35:58
